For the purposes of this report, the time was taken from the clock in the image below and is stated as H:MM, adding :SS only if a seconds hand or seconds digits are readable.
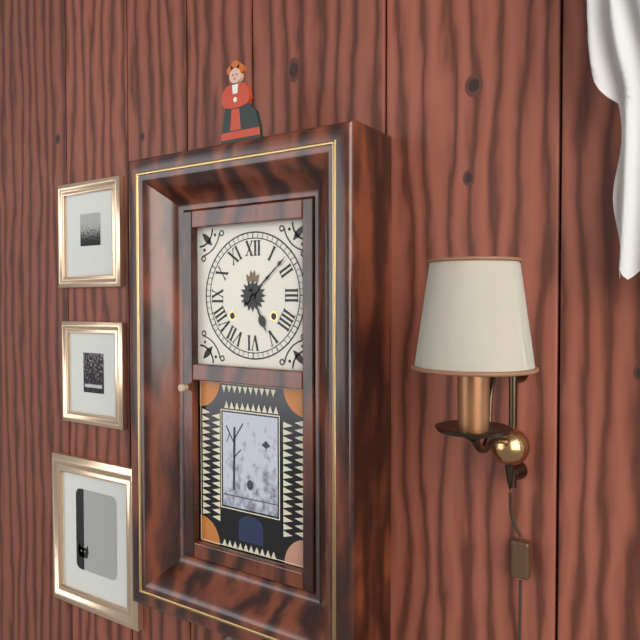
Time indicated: 5:08
